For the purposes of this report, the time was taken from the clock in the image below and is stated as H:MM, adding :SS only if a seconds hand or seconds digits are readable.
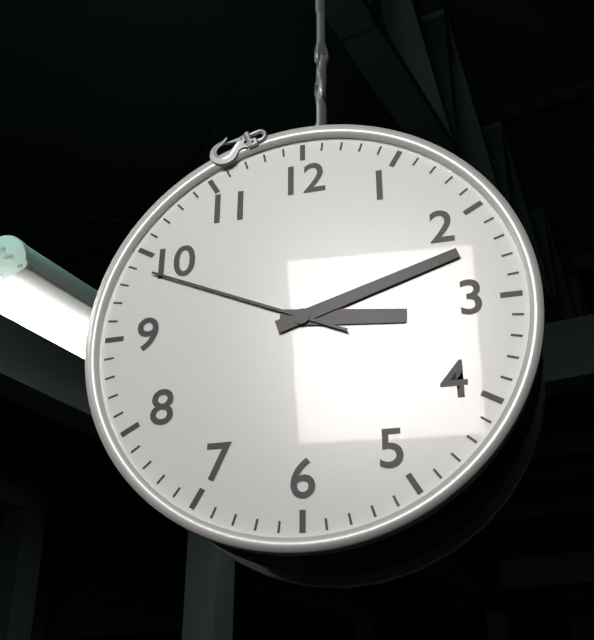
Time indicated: 3:12:49
